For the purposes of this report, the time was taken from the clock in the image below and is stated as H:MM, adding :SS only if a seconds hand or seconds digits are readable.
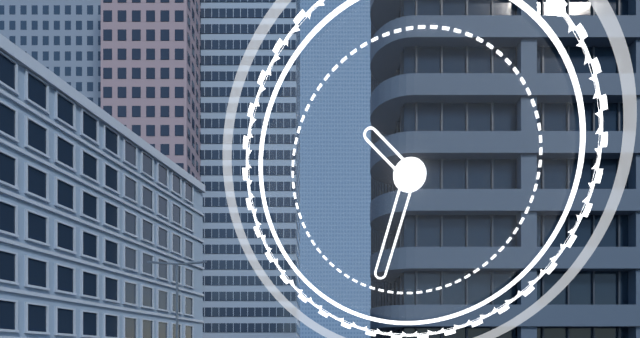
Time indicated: 10:33
